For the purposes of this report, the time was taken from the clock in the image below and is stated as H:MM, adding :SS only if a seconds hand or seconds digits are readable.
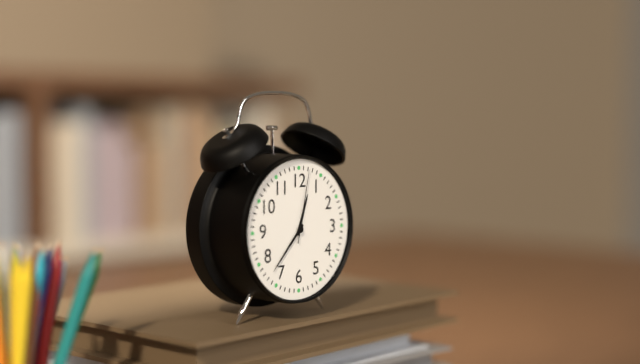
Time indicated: 12:37:02
